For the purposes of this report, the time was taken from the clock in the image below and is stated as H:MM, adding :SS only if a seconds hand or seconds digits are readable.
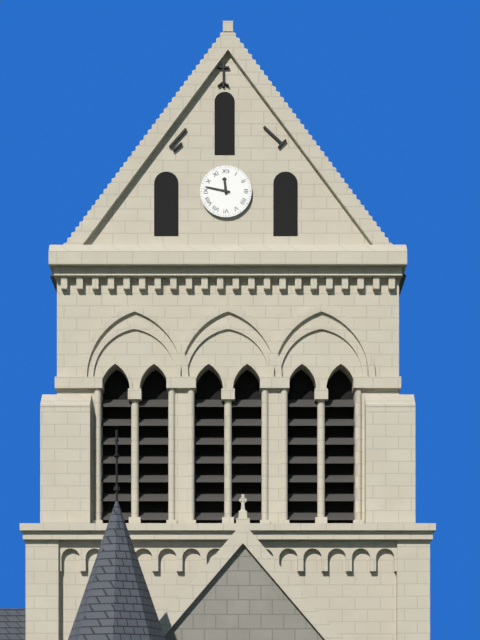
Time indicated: 11:47
